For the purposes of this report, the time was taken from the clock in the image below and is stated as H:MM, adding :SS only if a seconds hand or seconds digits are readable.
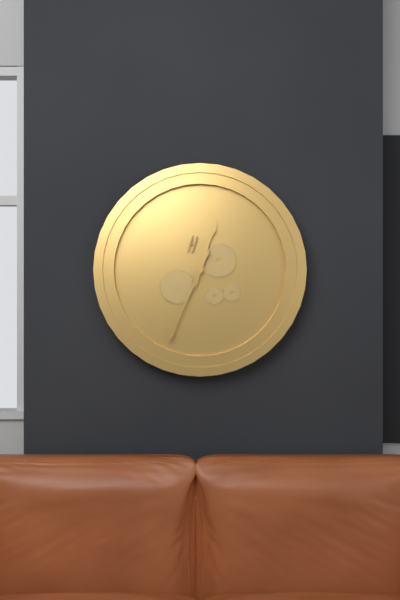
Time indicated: 12:34
